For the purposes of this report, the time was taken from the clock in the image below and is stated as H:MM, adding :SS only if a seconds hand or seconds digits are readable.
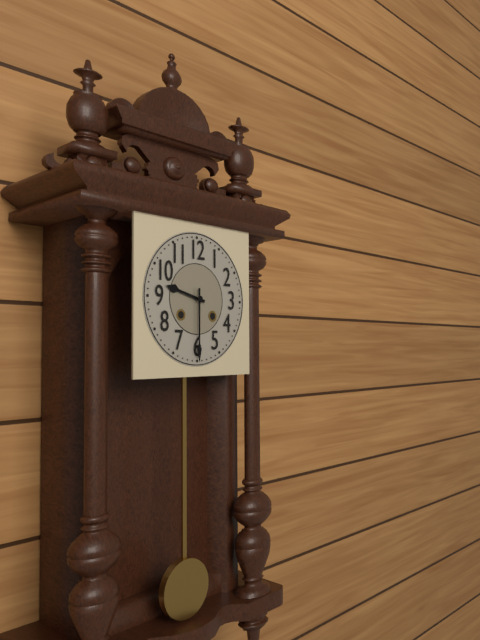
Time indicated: 9:30
